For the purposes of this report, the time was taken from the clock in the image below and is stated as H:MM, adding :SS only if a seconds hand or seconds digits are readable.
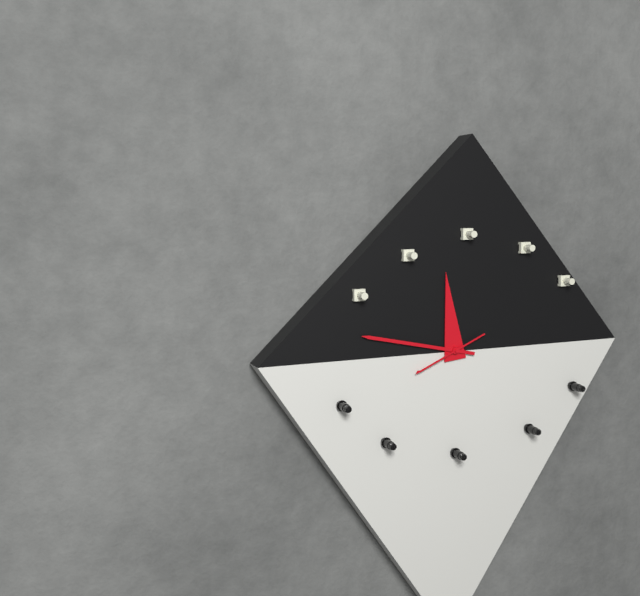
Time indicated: 11:47:41
